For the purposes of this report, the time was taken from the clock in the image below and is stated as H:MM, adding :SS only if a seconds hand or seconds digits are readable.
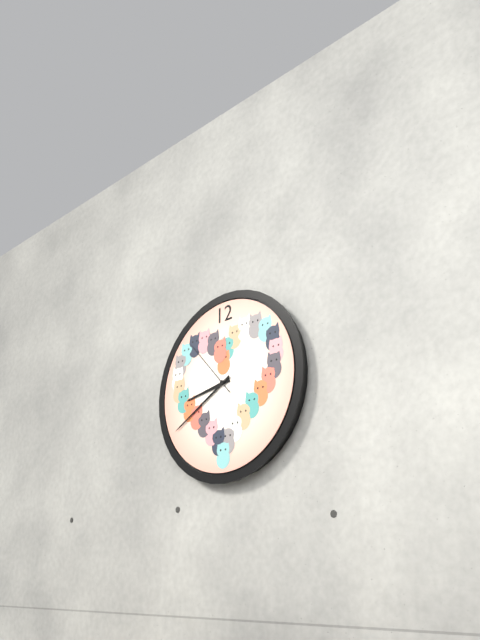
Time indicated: 8:40:53
